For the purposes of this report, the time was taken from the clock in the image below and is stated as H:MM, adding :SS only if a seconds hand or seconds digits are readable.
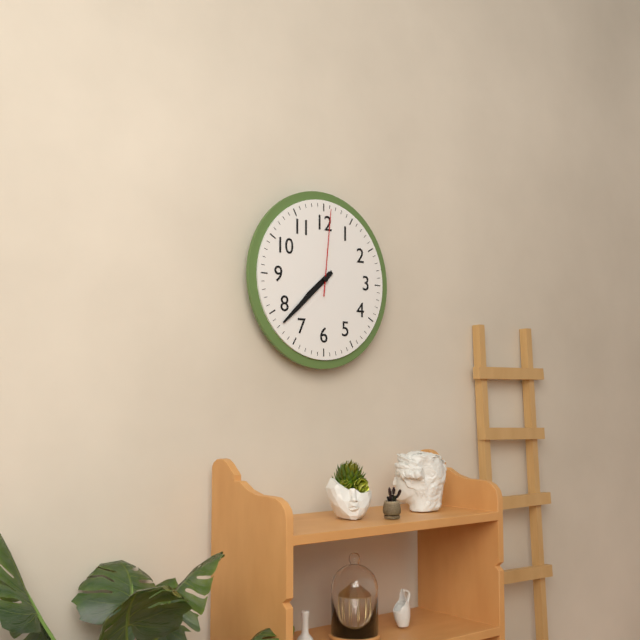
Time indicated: 7:38:01
